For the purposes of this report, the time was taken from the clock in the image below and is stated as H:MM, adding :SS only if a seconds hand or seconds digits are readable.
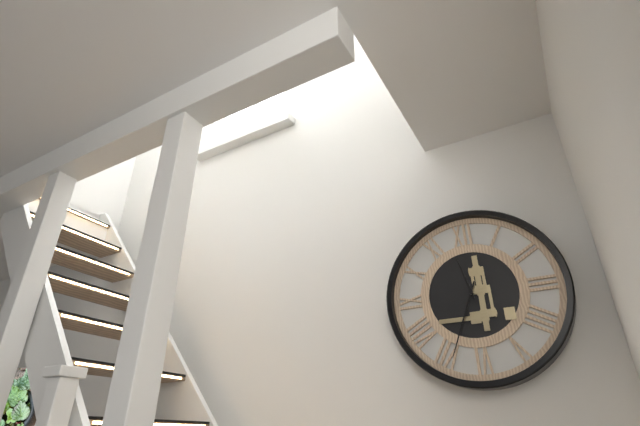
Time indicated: 11:34
